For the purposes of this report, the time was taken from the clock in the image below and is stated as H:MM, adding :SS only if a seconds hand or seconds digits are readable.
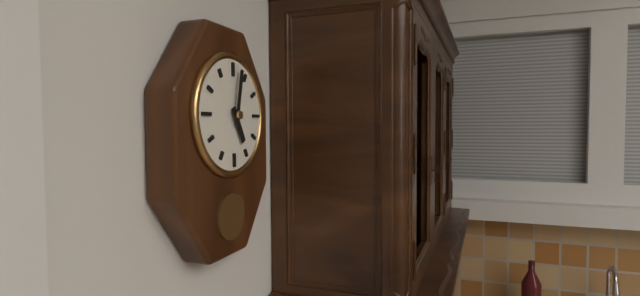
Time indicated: 5:02
